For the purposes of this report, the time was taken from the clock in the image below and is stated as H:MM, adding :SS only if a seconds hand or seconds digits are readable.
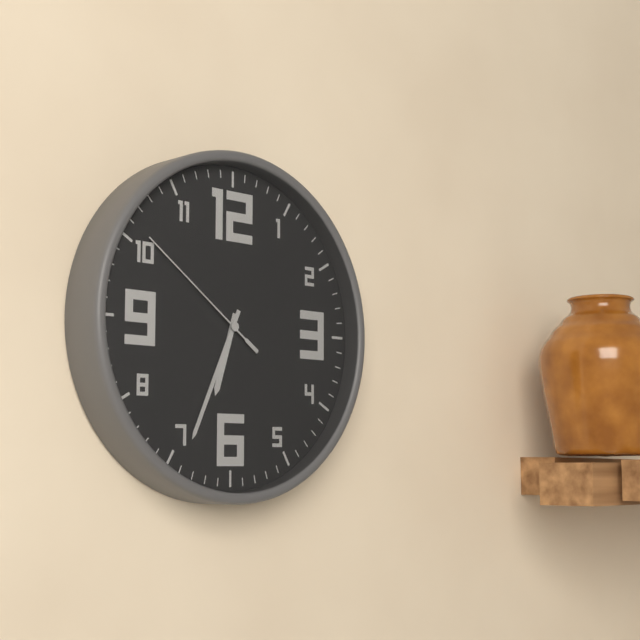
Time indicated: 6:34:51
